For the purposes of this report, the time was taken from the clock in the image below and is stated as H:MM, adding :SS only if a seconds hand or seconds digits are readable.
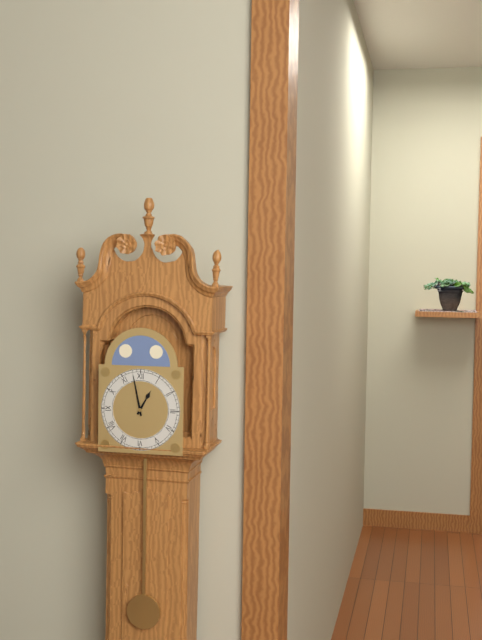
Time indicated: 12:58
